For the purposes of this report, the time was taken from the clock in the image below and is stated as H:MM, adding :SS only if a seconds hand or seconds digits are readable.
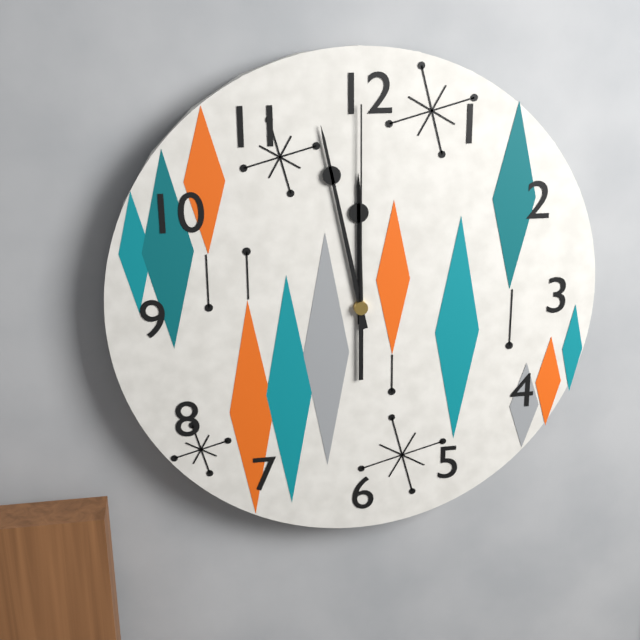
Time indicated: 11:58:00
